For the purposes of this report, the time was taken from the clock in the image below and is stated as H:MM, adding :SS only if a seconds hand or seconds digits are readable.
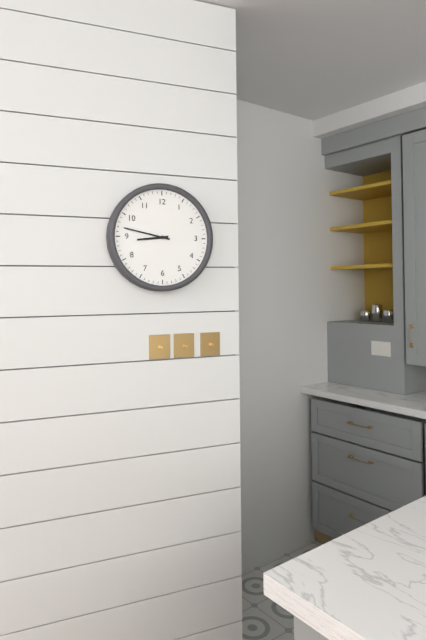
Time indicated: 8:47
